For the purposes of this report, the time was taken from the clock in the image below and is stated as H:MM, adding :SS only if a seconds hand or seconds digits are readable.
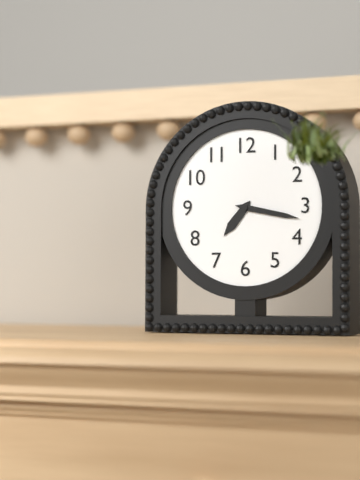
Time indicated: 7:17
